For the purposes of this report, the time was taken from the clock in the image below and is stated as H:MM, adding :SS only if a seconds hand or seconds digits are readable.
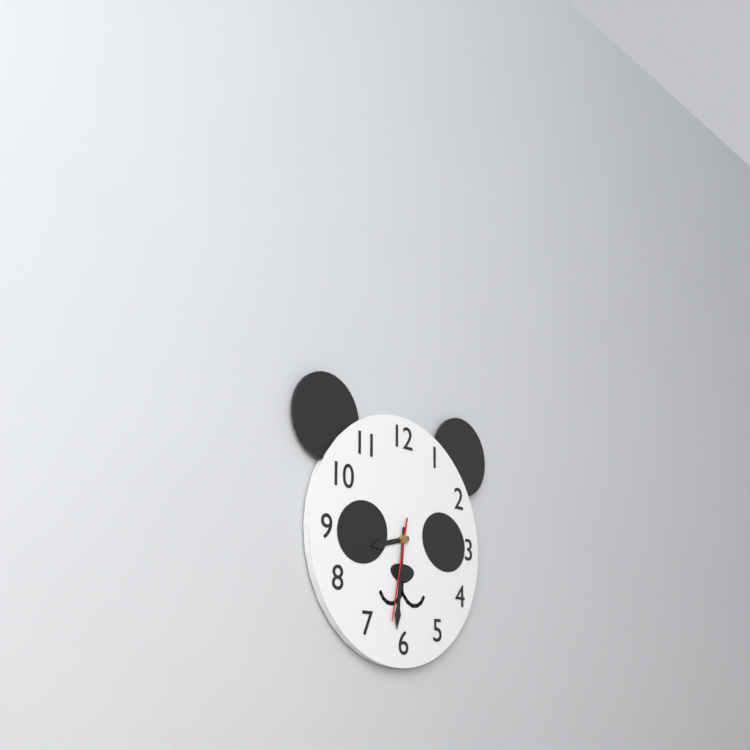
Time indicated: 8:31:32
